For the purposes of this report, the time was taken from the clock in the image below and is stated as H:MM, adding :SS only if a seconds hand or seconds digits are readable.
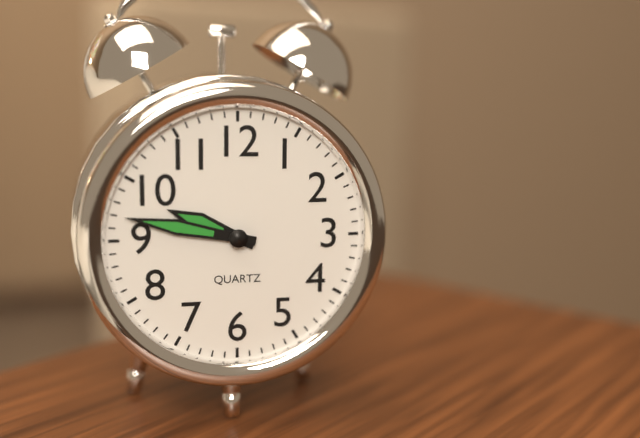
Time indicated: 9:47
